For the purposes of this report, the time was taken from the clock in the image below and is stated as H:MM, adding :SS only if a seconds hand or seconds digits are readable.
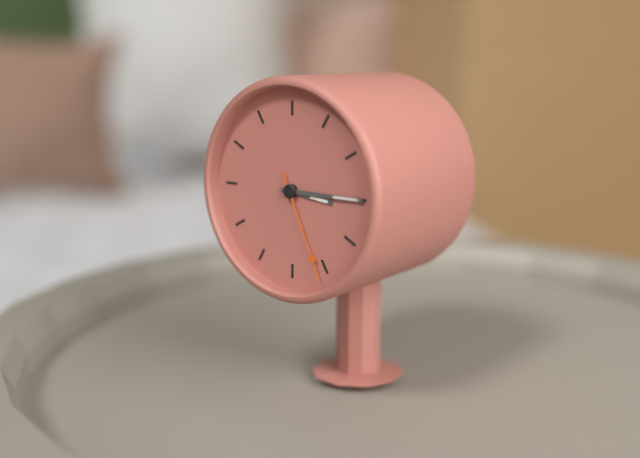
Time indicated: 3:15:26
